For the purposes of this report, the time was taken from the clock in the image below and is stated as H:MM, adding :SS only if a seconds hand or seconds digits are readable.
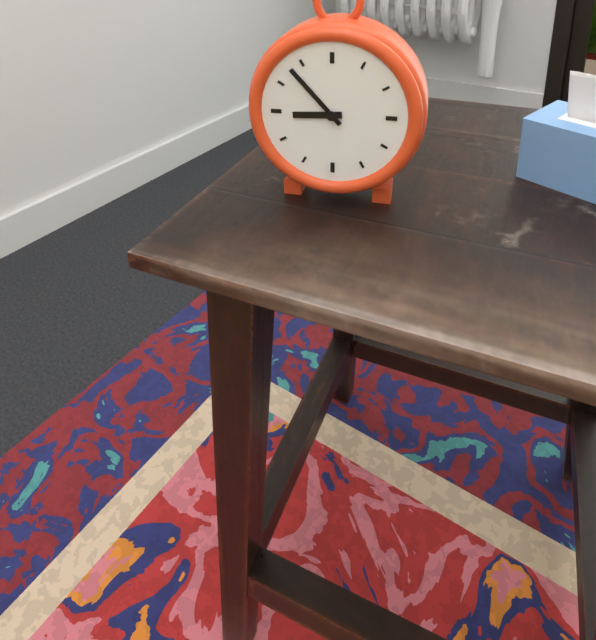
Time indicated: 8:53
